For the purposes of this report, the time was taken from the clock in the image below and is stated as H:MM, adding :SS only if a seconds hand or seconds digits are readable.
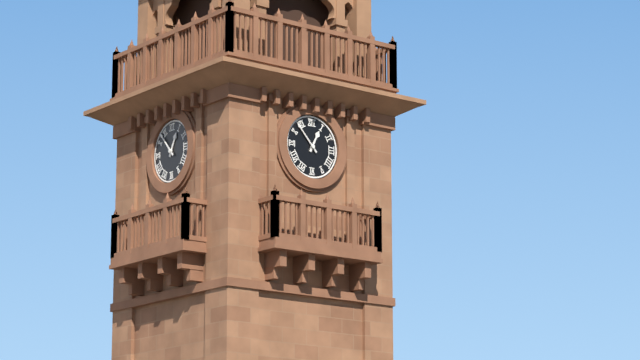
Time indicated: 12:53
